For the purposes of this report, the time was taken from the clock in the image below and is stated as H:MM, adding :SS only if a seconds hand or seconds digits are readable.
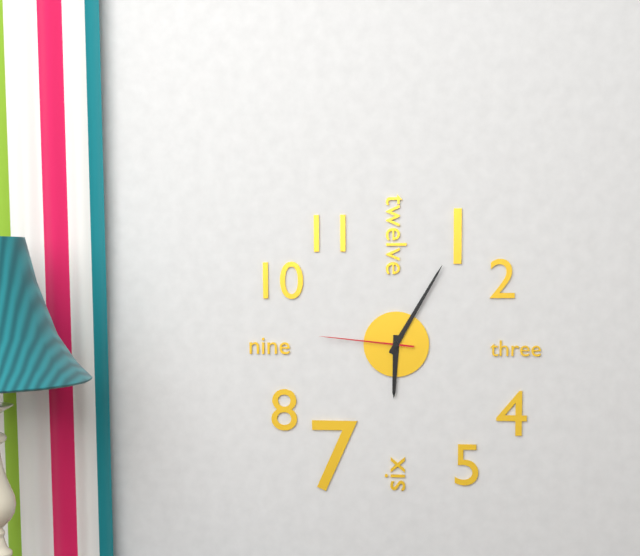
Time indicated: 6:05:46
